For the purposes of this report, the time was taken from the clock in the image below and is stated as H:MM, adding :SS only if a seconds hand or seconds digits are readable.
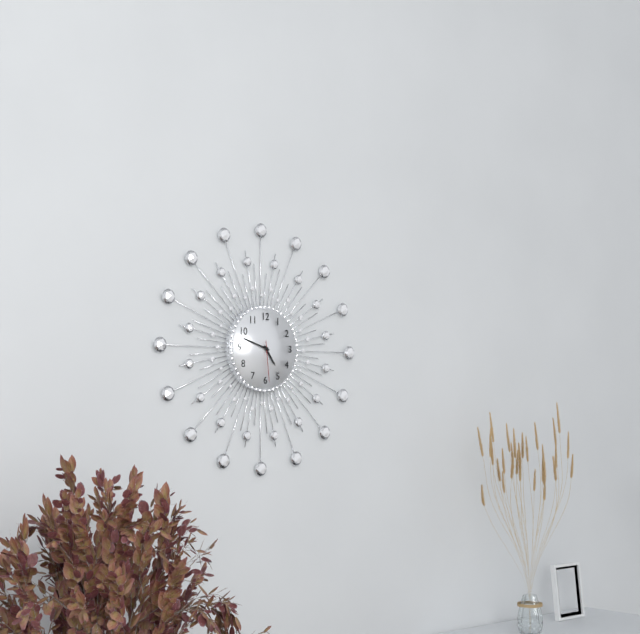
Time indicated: 4:48
